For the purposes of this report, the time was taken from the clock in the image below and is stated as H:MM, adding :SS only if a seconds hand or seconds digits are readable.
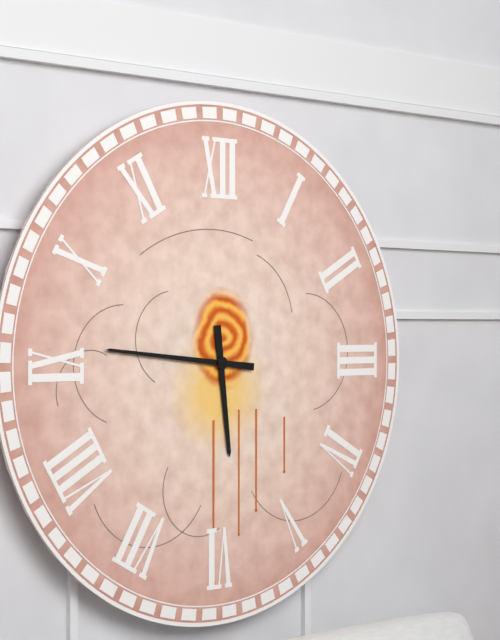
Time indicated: 5:46
